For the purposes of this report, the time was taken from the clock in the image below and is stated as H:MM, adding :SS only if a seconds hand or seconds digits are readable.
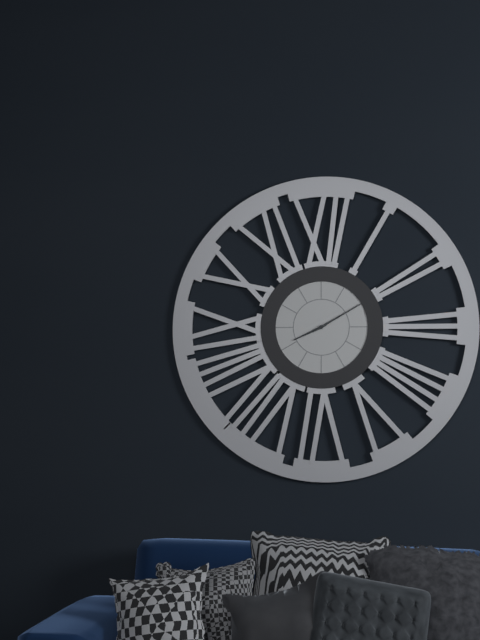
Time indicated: 8:10
